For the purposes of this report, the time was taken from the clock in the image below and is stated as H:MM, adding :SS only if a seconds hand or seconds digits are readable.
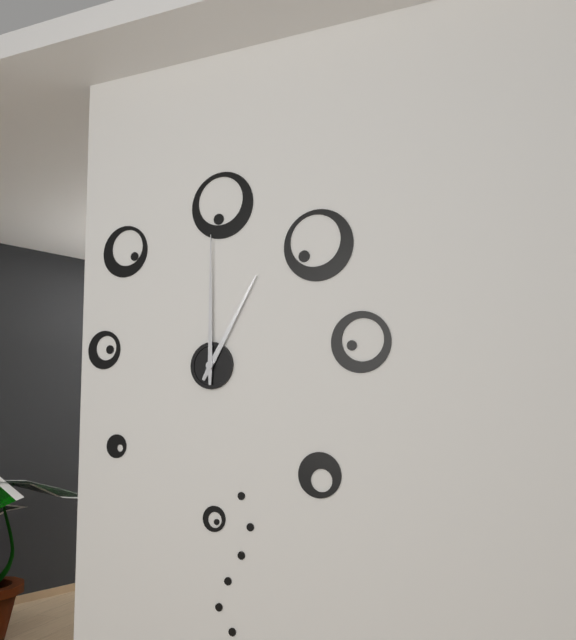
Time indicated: 1:00
